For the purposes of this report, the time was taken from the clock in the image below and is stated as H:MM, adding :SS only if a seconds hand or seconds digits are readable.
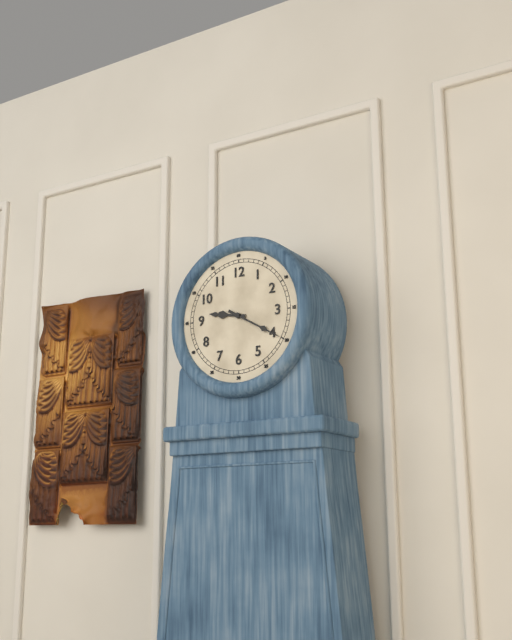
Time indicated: 9:20
